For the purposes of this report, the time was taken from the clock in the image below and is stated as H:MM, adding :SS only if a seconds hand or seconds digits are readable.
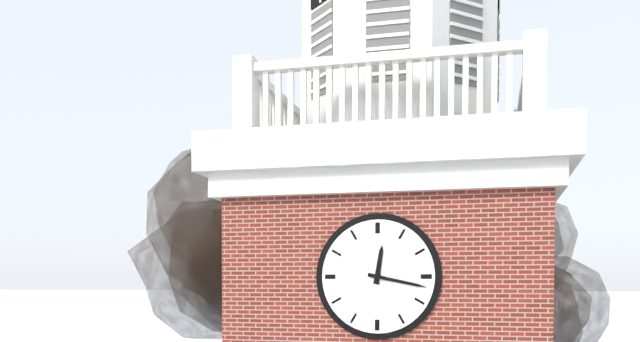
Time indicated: 12:17
